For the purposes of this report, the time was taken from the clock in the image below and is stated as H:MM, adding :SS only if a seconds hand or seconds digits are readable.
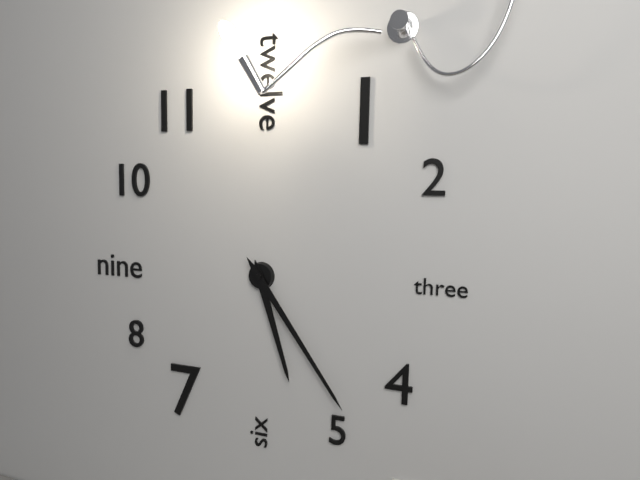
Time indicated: 5:24
